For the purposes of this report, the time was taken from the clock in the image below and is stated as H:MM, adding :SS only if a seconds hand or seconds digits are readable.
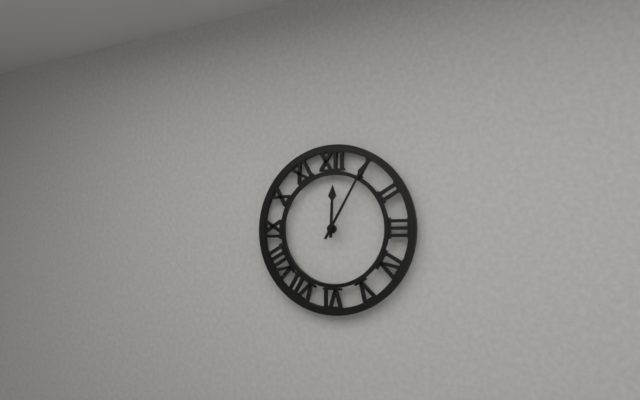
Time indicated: 12:05
